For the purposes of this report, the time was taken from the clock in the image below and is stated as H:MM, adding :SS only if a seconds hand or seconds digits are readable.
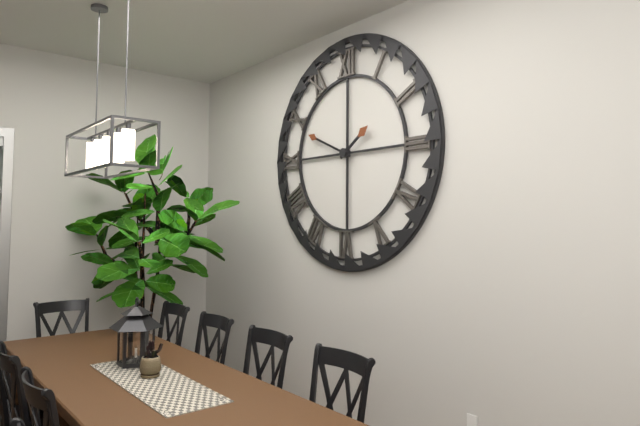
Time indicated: 1:49
